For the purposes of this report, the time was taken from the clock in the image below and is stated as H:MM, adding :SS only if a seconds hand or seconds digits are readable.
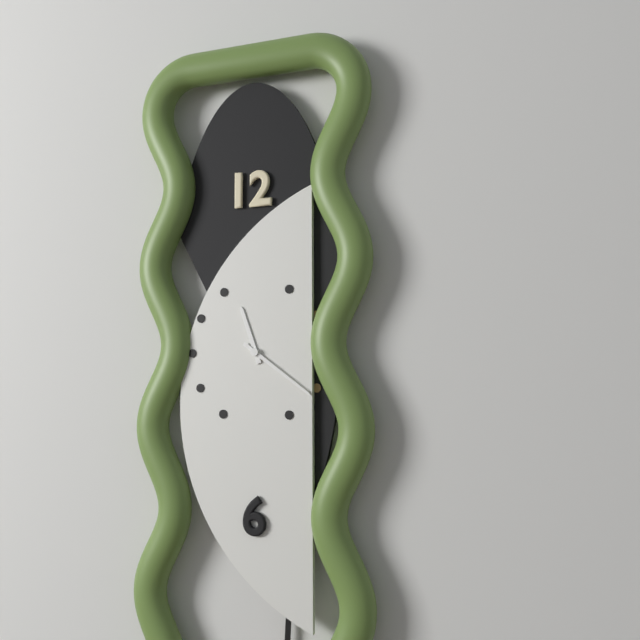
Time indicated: 11:21
